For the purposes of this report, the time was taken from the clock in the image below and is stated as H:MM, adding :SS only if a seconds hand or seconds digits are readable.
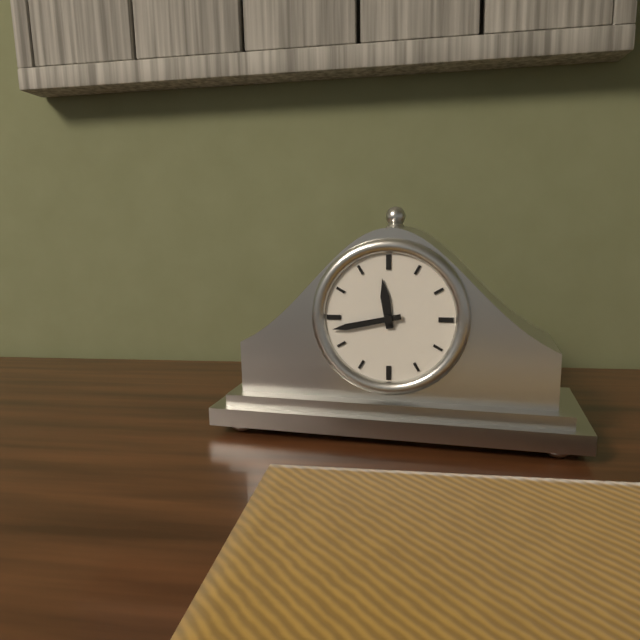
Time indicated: 11:43
